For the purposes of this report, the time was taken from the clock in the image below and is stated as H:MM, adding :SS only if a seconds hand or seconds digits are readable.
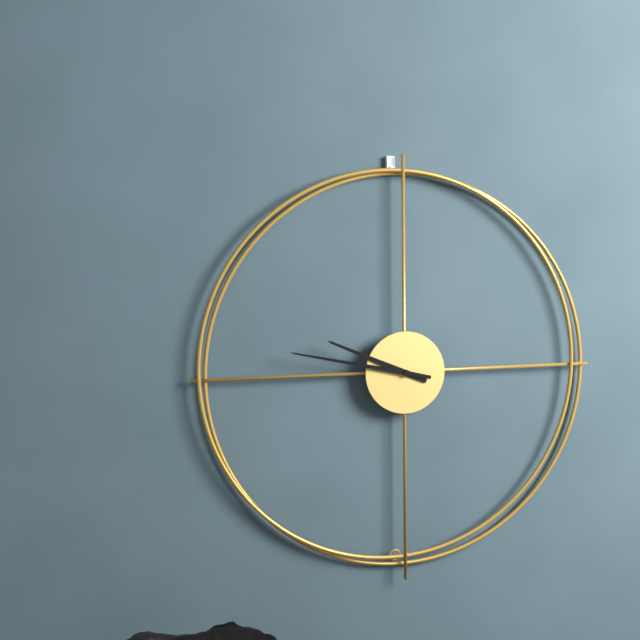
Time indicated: 9:47
